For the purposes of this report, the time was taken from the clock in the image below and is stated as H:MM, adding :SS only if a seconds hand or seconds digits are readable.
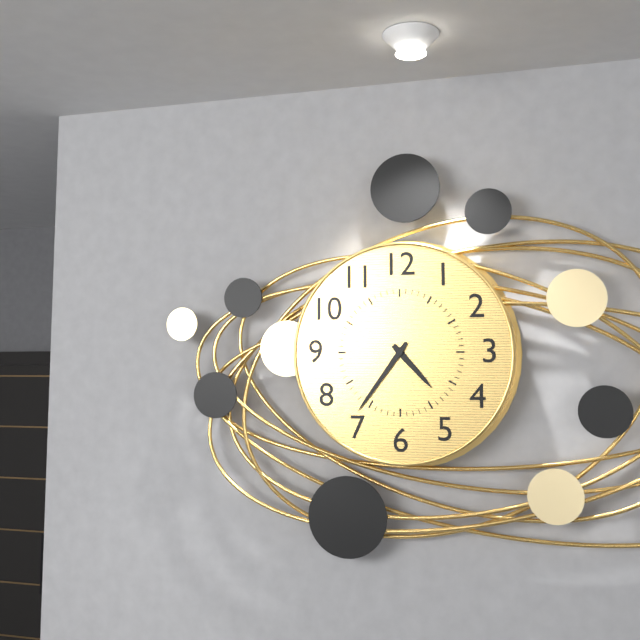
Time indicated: 4:36
